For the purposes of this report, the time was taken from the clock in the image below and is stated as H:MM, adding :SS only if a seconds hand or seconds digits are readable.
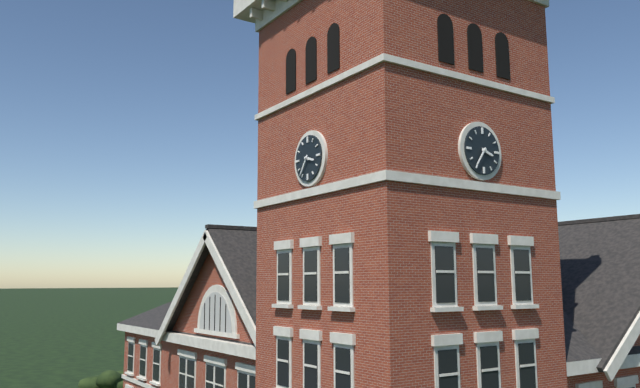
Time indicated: 3:36
